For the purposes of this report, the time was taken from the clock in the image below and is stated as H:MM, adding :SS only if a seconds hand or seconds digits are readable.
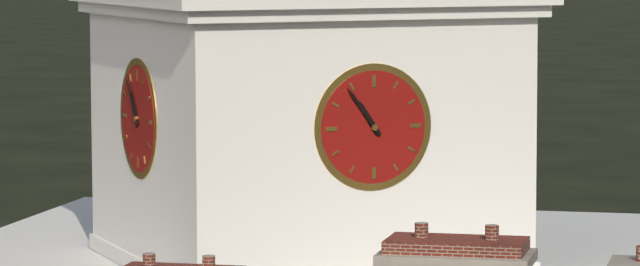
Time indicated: 10:54
